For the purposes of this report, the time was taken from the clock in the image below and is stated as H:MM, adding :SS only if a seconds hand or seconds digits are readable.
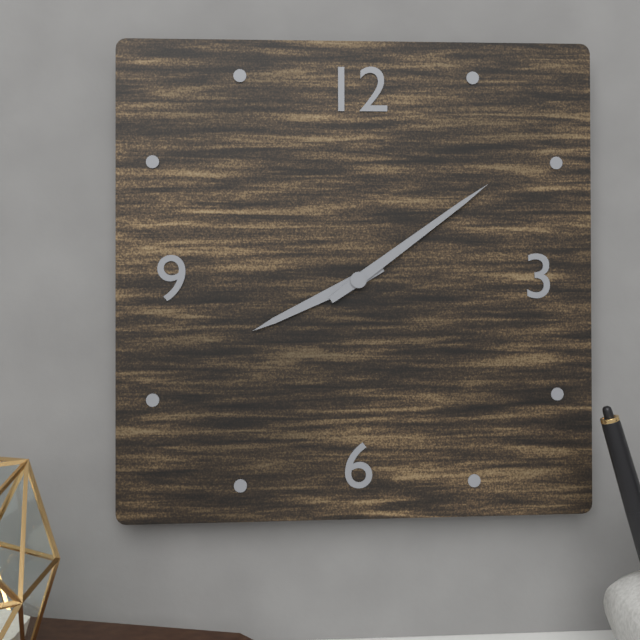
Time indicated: 8:09
